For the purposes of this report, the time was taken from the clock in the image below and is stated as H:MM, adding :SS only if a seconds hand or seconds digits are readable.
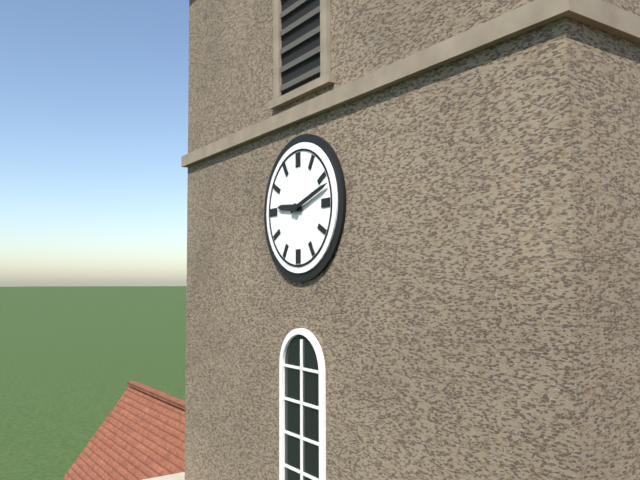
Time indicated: 9:12
